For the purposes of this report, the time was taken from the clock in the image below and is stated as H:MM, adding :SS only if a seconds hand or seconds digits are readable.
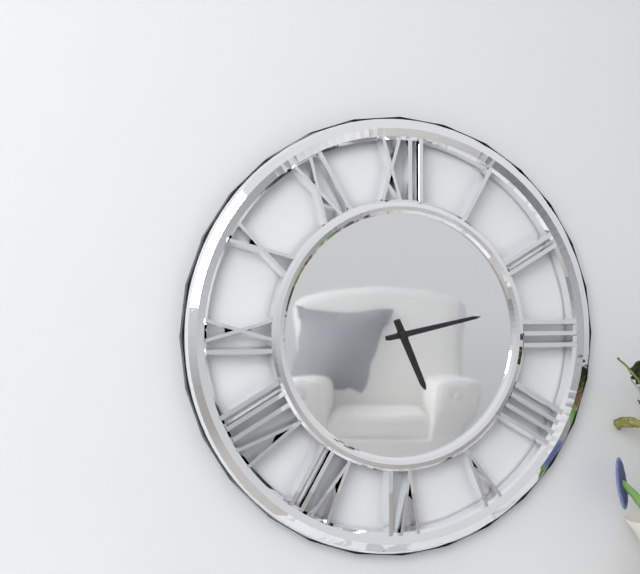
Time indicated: 5:13
